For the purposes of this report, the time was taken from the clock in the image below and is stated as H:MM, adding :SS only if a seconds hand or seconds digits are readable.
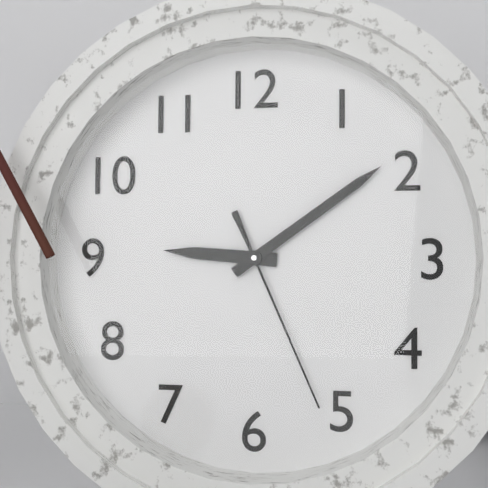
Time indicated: 9:09:26
